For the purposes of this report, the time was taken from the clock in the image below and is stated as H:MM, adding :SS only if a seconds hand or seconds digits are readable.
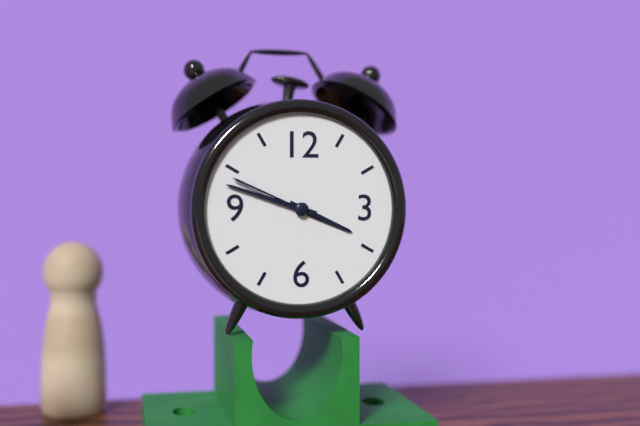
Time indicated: 3:48:49
